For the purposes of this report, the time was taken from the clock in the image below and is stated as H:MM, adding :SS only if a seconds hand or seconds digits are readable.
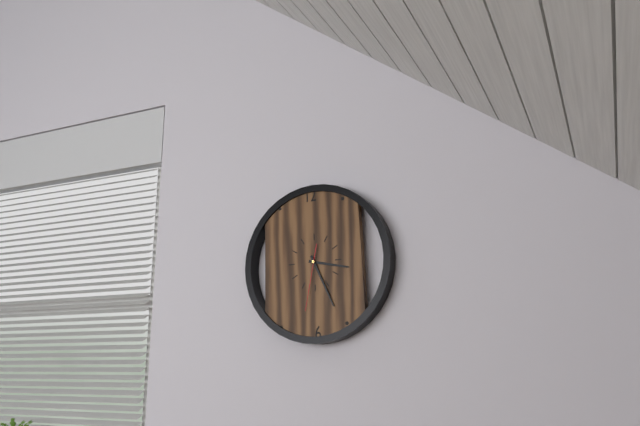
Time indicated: 3:26:32
